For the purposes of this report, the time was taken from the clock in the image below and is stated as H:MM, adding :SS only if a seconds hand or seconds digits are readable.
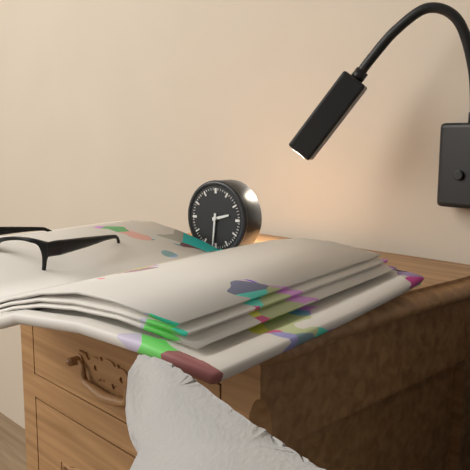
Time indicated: 2:31
